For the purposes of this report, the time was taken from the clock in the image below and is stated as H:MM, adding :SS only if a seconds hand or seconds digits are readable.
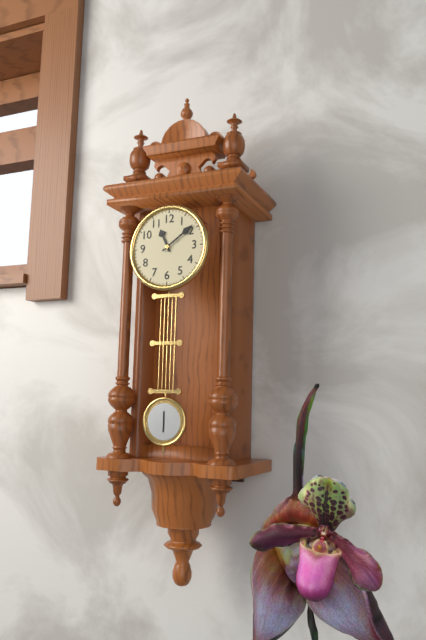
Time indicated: 11:09
